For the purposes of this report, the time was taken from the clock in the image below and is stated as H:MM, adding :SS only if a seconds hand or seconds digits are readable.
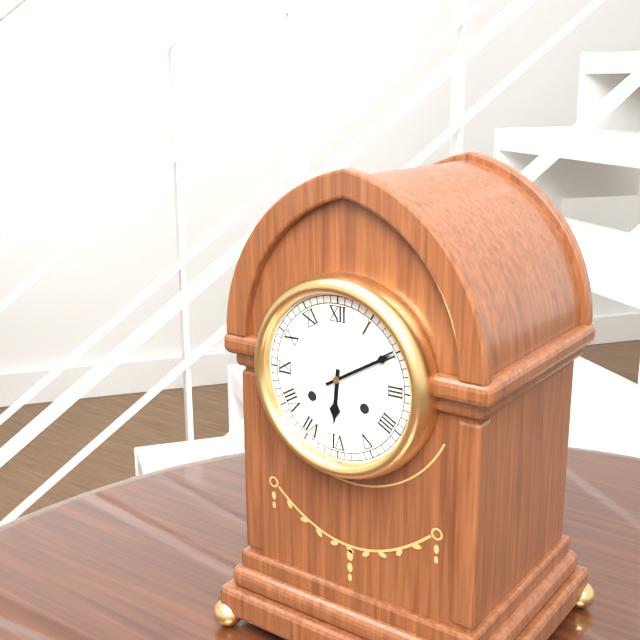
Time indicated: 6:10
